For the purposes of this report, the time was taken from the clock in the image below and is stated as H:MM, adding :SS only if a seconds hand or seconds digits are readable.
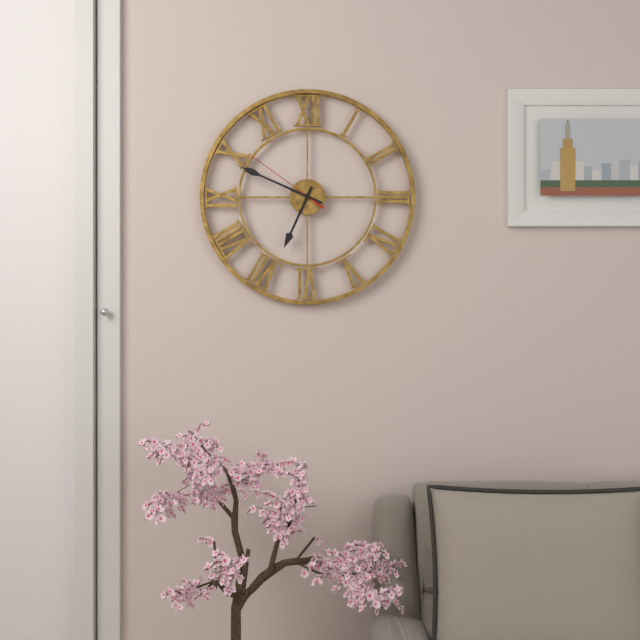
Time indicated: 6:49:51
